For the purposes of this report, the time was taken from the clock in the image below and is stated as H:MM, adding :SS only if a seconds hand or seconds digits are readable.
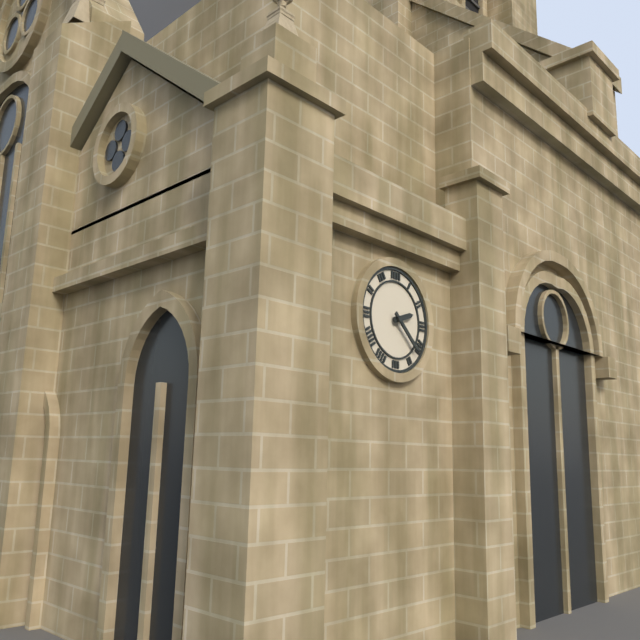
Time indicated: 2:22
